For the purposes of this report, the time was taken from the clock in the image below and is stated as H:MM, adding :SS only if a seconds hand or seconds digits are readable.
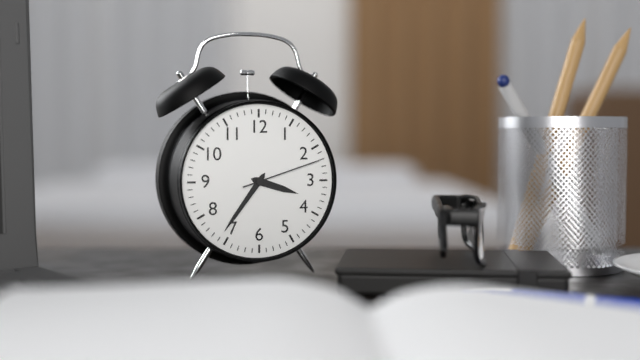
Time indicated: 3:36:12
